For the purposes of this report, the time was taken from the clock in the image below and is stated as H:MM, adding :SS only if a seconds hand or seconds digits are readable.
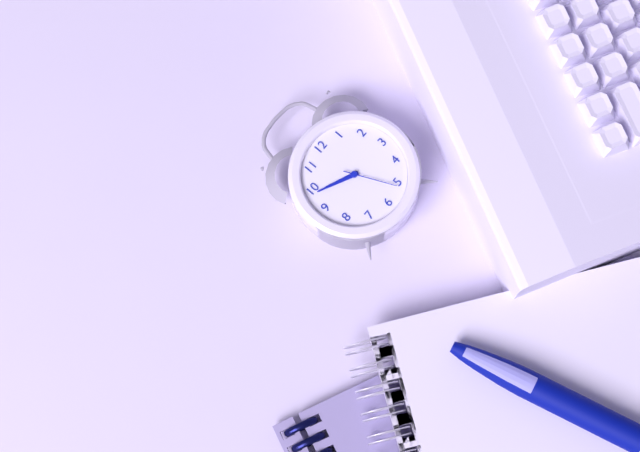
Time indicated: 9:49:26
